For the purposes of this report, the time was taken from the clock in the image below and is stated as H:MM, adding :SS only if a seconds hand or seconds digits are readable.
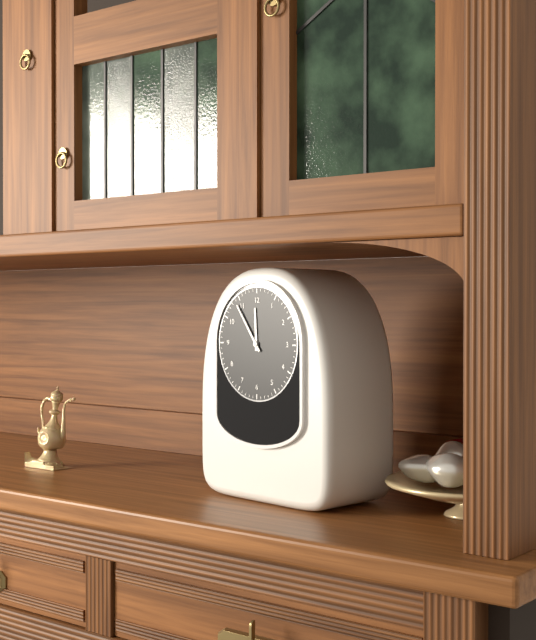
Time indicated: 11:54
